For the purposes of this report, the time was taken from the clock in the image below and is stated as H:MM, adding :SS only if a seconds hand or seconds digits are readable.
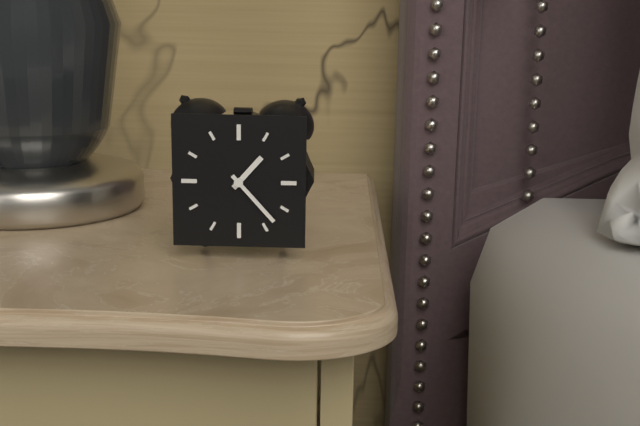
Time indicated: 1:23
